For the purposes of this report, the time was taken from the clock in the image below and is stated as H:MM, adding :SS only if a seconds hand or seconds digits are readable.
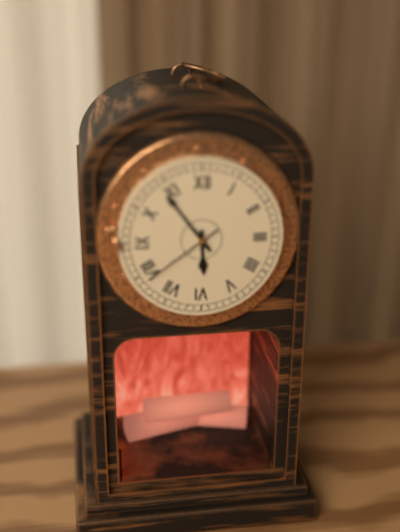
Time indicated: 5:54:39
